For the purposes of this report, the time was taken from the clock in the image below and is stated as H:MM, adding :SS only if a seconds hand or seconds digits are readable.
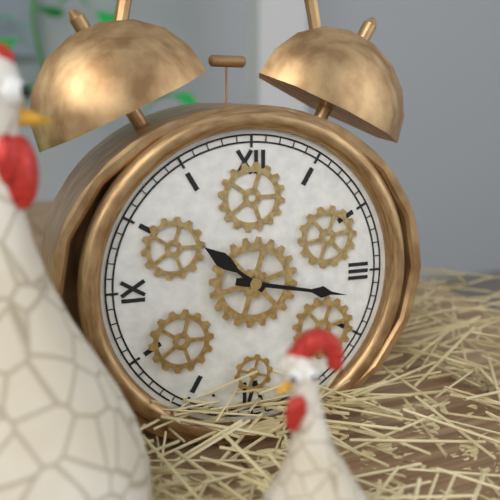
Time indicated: 10:17
